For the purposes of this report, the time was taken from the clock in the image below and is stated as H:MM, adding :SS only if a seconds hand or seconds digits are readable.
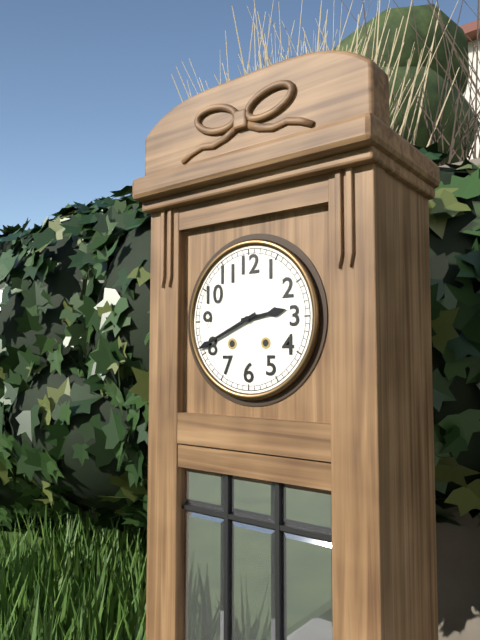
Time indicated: 2:41
